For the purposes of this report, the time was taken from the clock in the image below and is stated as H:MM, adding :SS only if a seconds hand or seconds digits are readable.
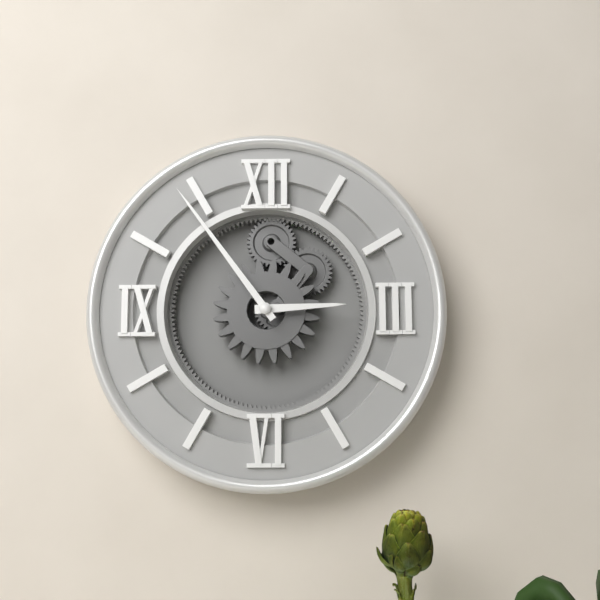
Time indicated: 2:54
